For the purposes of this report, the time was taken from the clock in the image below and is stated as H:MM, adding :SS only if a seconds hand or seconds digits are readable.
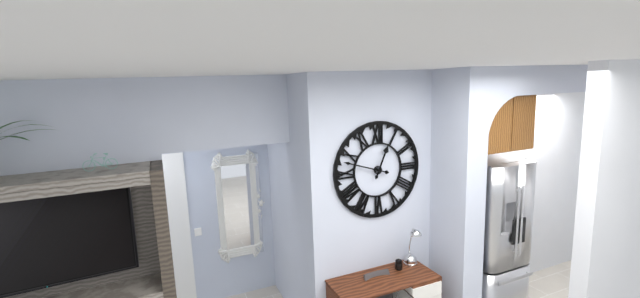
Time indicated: 12:48
